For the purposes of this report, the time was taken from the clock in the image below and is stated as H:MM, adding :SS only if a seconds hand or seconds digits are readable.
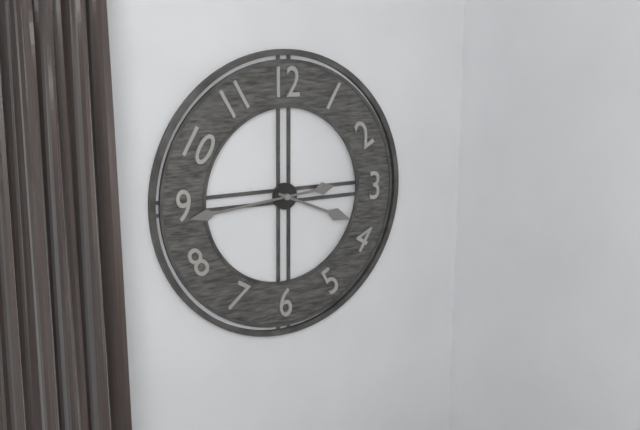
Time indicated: 3:44
